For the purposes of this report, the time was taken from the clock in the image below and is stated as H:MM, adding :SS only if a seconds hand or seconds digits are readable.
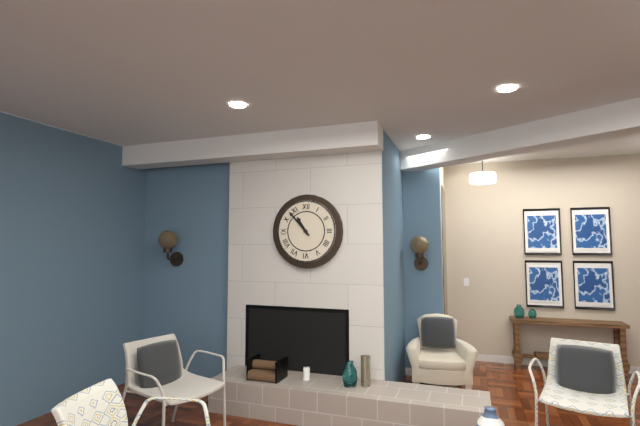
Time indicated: 10:53
